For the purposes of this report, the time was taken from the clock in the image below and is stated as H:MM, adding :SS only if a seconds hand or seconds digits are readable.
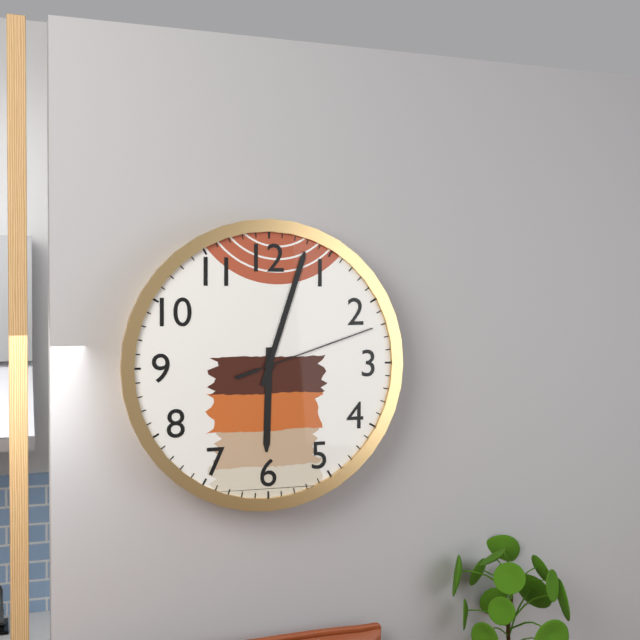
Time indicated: 6:03:12
